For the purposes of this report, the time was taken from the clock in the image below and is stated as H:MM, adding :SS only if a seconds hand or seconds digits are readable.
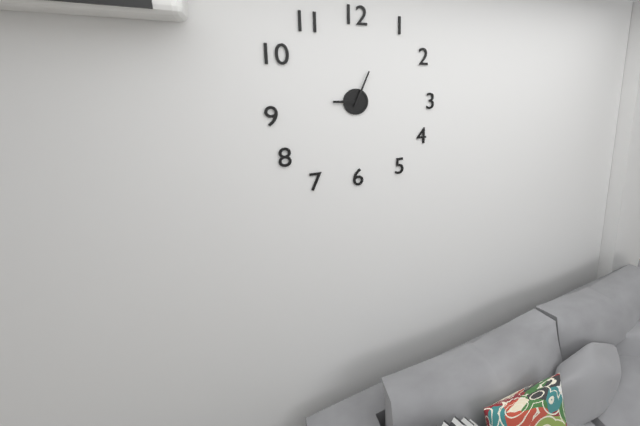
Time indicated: 9:04
